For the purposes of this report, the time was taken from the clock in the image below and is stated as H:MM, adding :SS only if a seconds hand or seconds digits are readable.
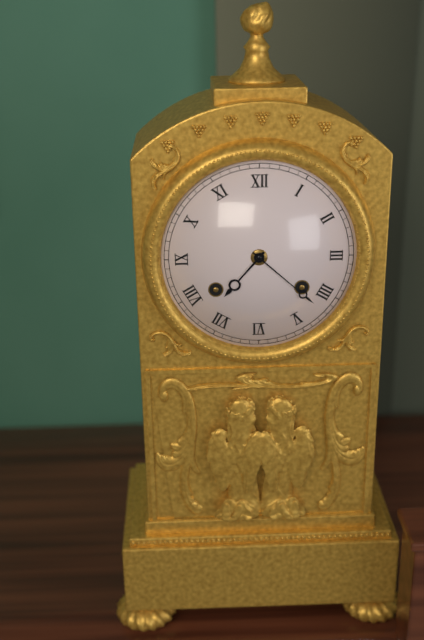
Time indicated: 7:22
